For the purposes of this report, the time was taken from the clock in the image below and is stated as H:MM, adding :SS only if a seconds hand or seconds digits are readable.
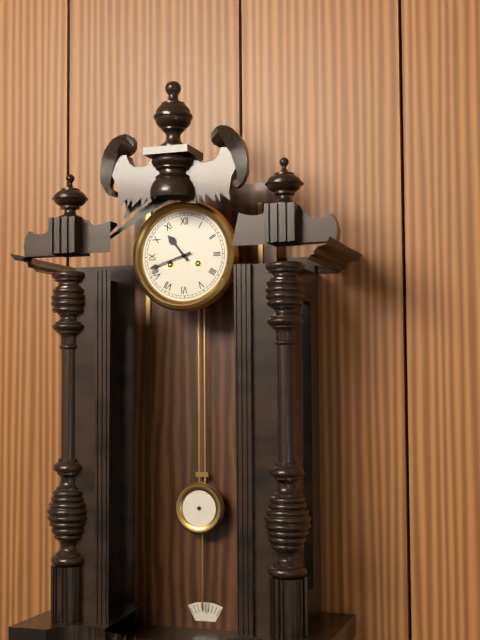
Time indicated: 10:42
